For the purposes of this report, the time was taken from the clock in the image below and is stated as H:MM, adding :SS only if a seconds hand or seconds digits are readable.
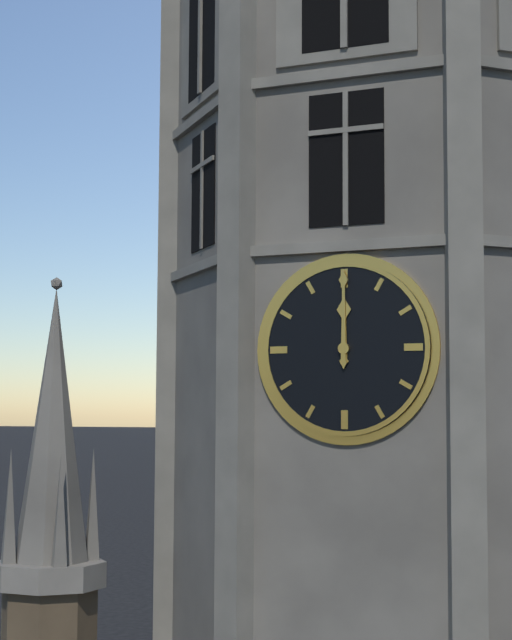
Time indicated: 12:00
